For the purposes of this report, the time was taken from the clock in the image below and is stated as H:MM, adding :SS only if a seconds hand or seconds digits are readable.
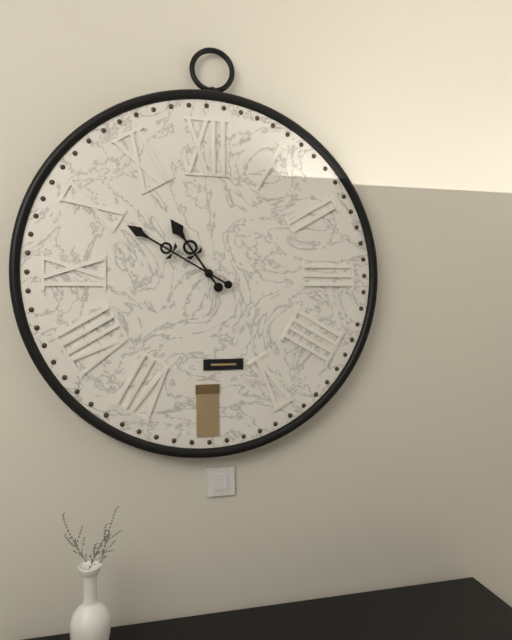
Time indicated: 10:50
